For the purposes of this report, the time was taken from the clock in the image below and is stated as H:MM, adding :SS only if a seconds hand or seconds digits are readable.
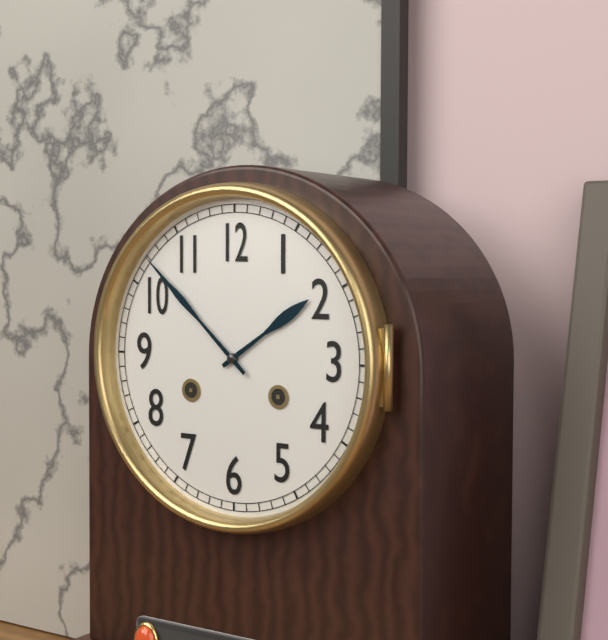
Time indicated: 1:52
